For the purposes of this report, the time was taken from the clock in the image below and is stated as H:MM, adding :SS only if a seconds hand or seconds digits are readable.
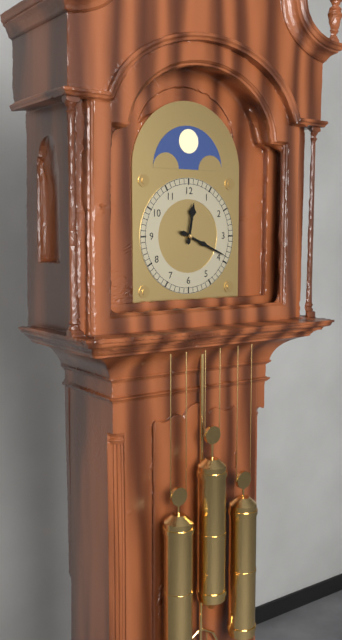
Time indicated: 12:19
